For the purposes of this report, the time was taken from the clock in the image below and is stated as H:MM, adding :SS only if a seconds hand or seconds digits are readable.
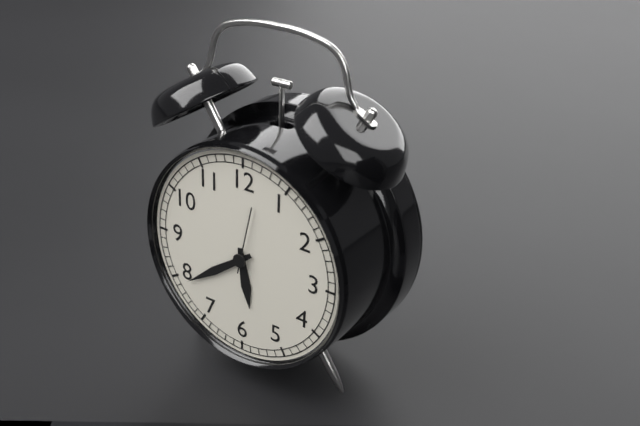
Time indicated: 5:39:02
